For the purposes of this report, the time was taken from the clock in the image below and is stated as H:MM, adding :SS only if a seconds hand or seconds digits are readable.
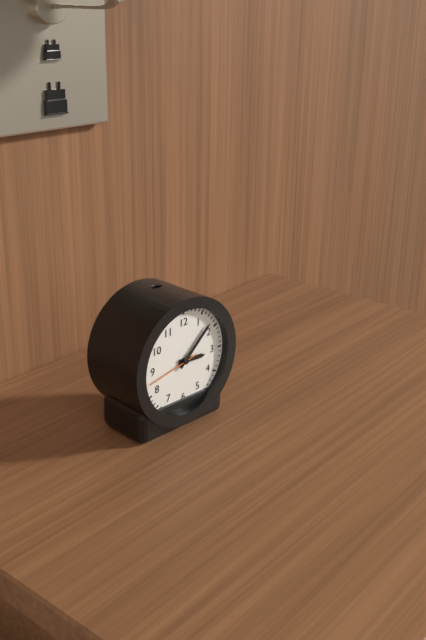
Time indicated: 3:08
